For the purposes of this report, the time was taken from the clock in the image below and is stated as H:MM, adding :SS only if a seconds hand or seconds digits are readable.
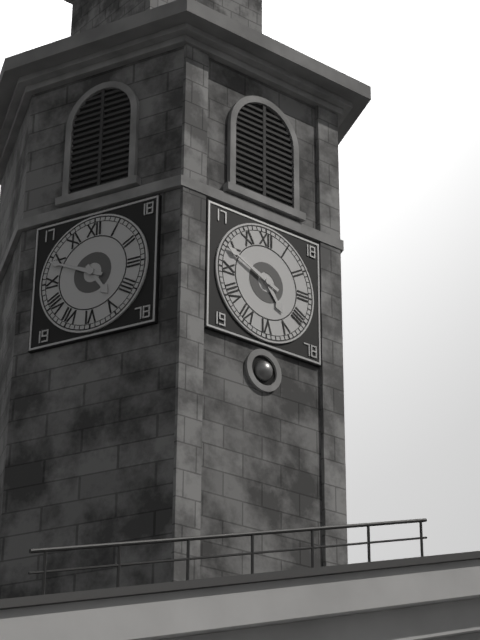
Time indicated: 4:49
